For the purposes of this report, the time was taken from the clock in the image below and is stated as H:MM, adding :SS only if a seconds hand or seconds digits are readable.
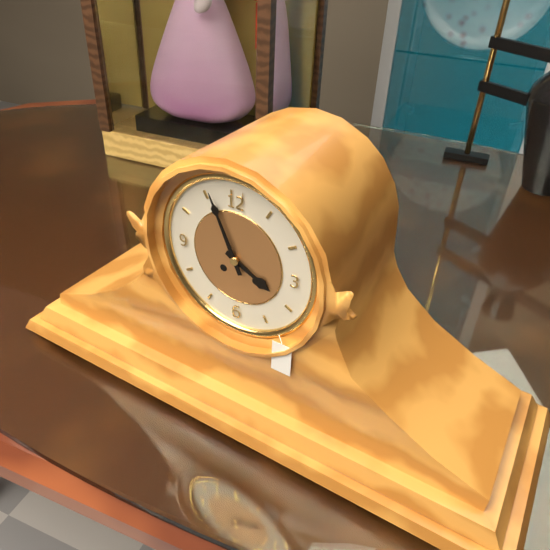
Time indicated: 3:56
